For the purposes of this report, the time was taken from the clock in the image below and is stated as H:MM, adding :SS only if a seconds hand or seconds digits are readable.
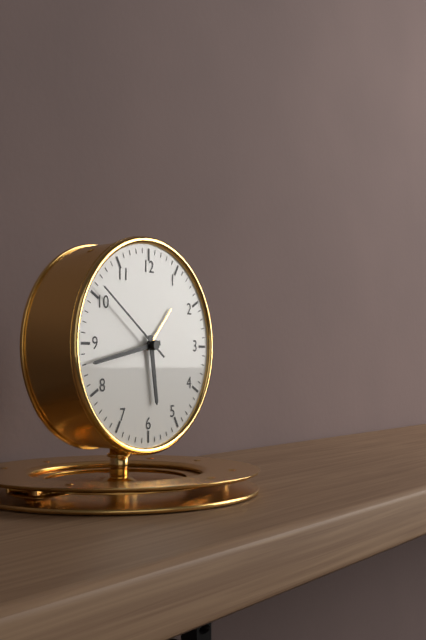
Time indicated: 5:43:51
